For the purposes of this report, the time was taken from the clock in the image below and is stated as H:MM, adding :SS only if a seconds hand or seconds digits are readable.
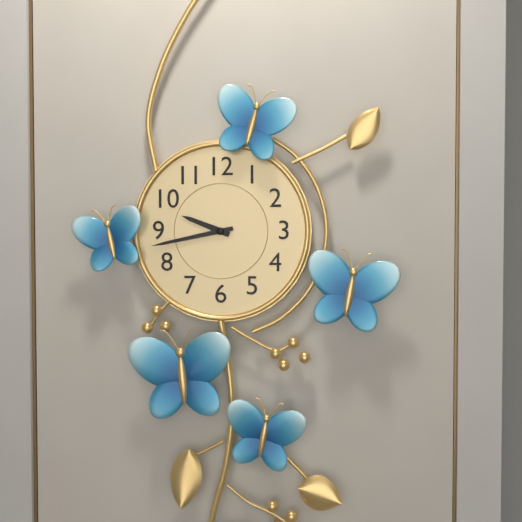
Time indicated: 9:43
